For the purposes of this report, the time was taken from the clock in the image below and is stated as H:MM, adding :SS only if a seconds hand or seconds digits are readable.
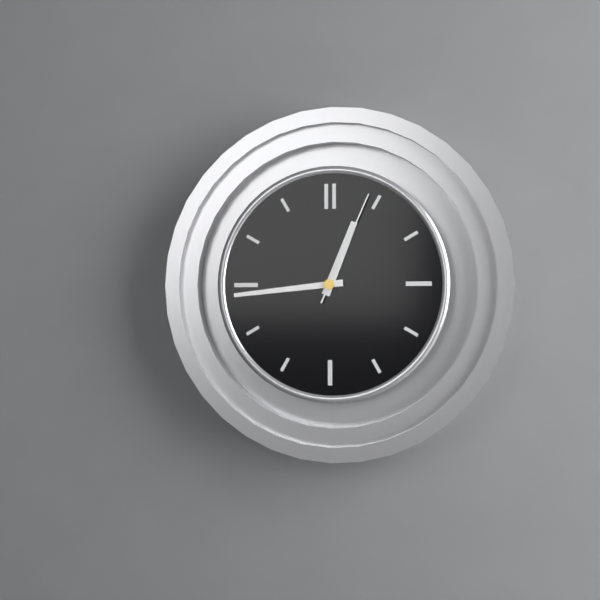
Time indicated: 12:44:04
